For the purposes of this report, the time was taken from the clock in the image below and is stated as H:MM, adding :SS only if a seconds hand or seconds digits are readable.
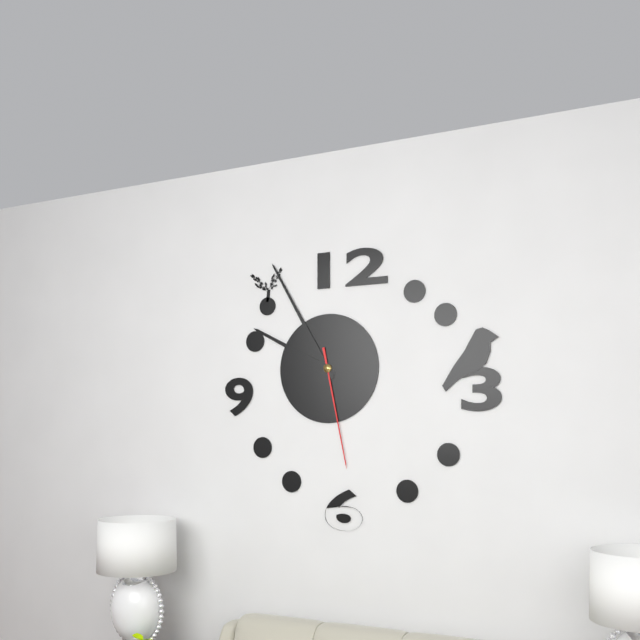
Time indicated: 9:55:28
